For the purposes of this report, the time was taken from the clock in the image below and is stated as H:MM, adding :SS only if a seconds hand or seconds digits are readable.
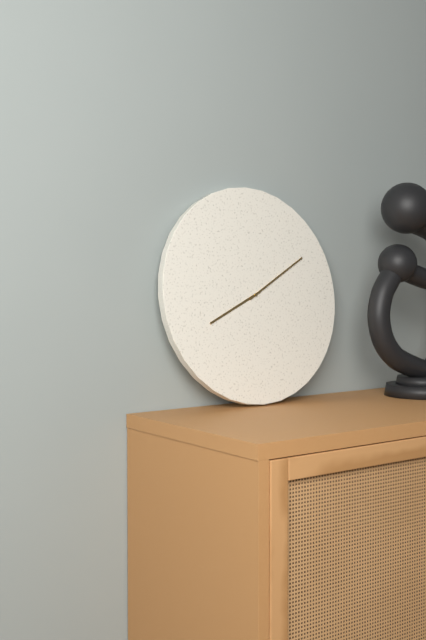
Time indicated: 8:10
